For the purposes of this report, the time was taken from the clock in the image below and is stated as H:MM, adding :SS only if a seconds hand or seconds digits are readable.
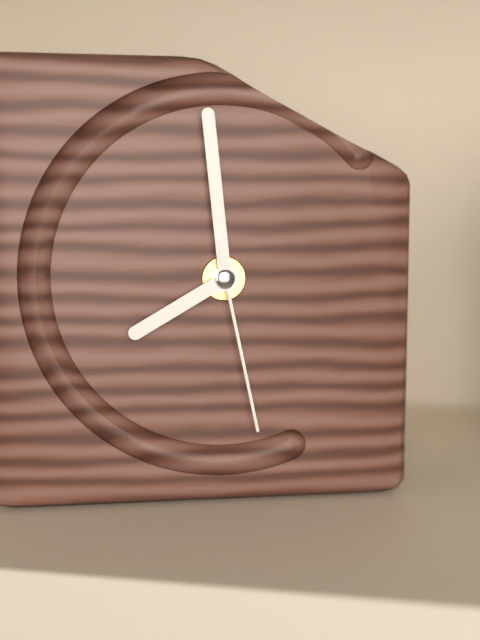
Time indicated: 7:59:28
